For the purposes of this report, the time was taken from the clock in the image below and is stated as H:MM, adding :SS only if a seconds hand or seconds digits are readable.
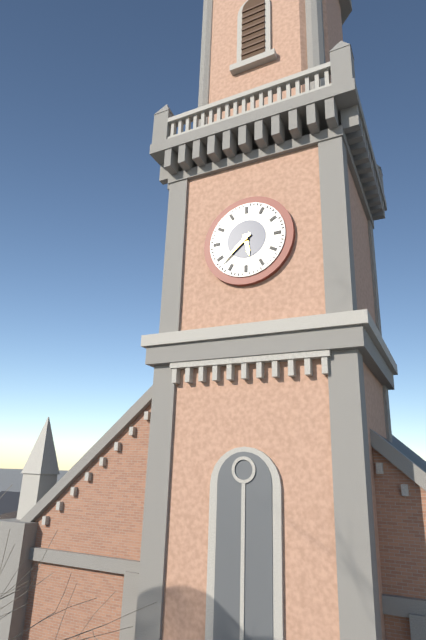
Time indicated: 5:38
